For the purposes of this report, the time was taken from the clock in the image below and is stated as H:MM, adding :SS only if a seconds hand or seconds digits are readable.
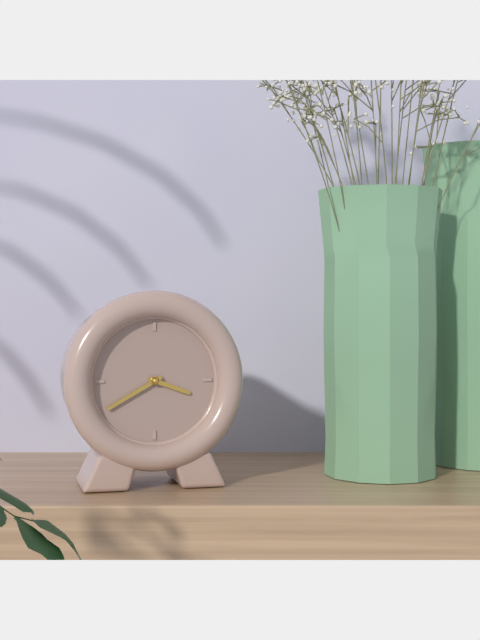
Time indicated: 3:40
